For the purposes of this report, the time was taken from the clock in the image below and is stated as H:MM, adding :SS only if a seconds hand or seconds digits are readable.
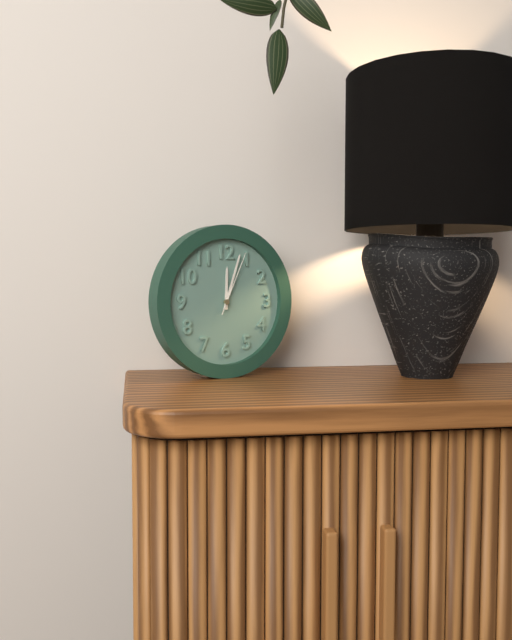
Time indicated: 12:03:04
